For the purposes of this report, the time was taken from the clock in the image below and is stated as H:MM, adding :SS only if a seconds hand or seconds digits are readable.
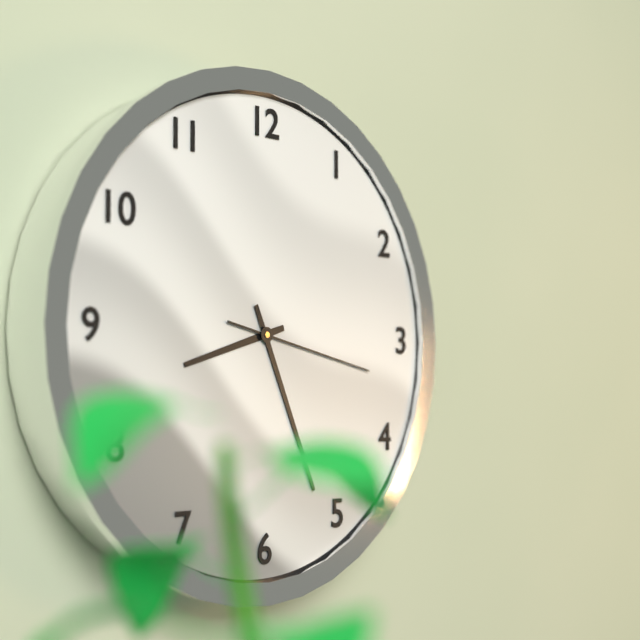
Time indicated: 8:26:17
